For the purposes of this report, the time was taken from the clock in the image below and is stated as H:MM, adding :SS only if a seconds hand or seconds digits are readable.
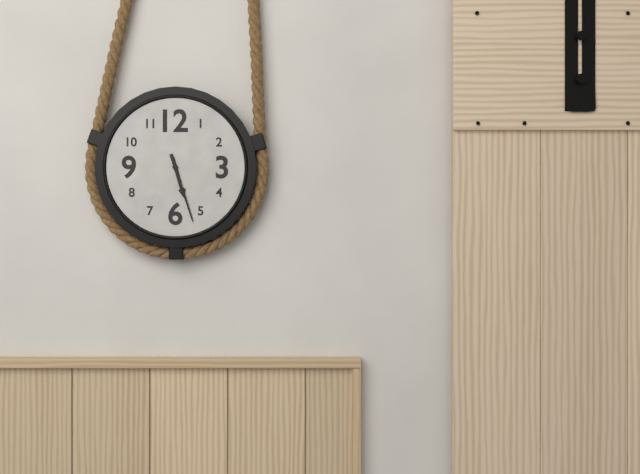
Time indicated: 5:27
